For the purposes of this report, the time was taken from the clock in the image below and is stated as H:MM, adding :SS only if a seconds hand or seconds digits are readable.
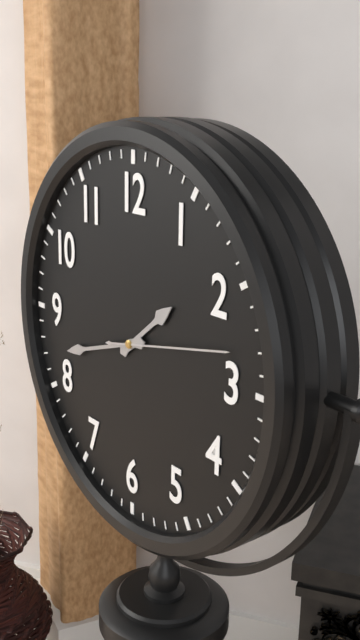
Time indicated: 1:42:13
